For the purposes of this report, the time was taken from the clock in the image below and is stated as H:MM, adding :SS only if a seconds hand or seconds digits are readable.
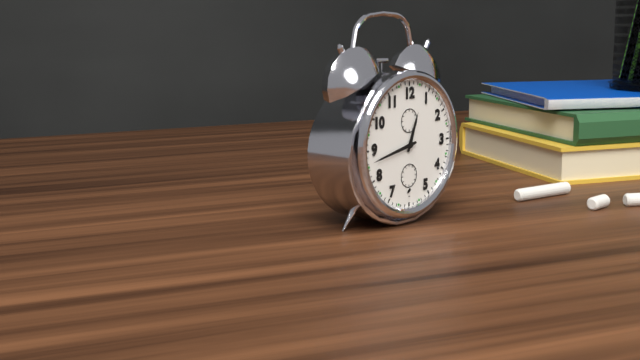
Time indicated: 12:43
